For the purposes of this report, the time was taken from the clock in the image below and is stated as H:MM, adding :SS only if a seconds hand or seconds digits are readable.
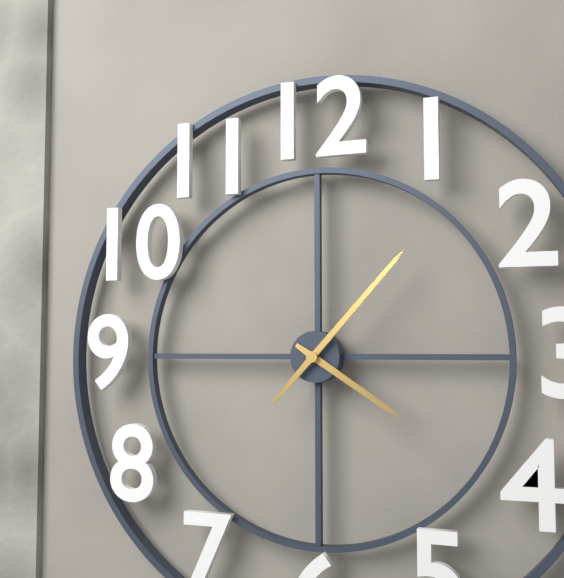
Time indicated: 4:07
